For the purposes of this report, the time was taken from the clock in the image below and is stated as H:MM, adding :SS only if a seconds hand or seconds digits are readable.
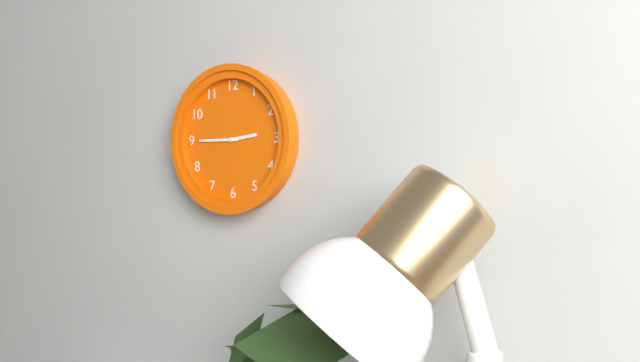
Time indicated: 2:45
